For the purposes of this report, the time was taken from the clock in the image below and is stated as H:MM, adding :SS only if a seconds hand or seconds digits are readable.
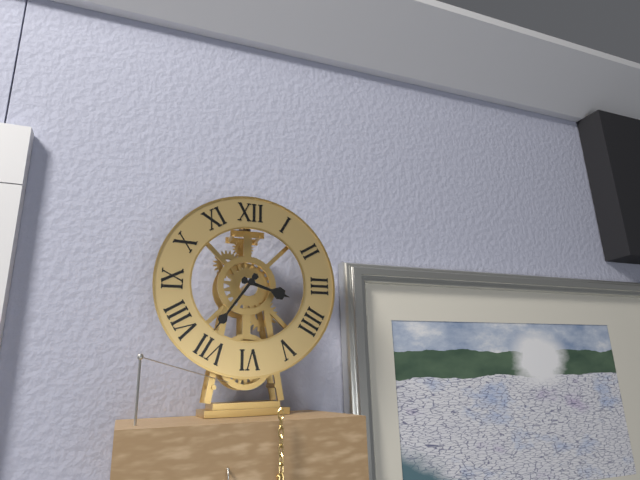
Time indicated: 3:36
